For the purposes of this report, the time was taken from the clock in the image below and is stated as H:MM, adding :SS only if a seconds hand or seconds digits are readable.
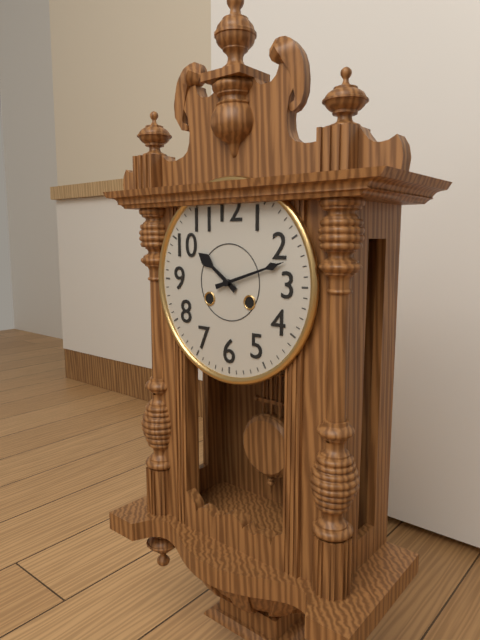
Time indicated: 10:12
